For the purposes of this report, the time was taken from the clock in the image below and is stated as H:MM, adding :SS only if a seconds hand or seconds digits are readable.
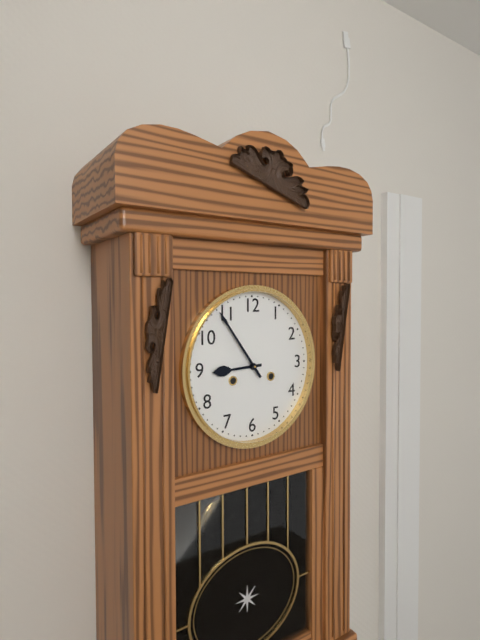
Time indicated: 8:54
